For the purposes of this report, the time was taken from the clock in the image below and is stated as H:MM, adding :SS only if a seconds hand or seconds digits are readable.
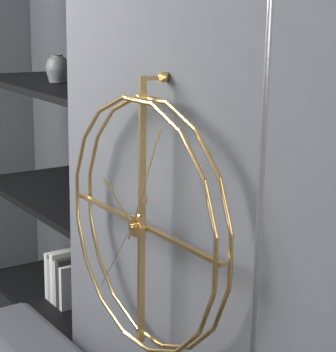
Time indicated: 10:04:36
